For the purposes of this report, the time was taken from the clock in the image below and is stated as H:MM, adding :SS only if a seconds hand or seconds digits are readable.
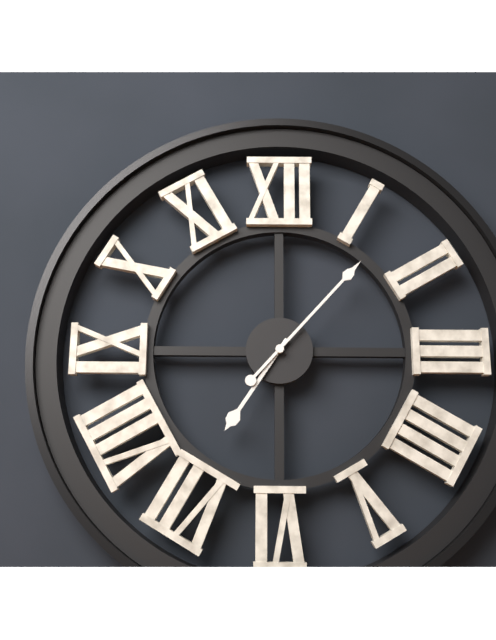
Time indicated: 7:07
